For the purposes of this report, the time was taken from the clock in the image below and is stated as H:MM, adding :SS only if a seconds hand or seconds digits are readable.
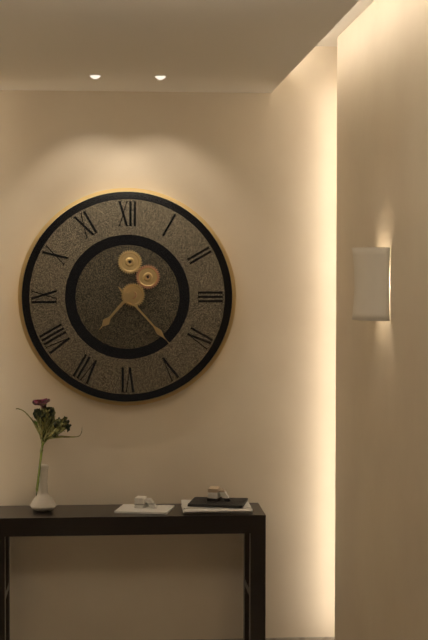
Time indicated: 7:23
